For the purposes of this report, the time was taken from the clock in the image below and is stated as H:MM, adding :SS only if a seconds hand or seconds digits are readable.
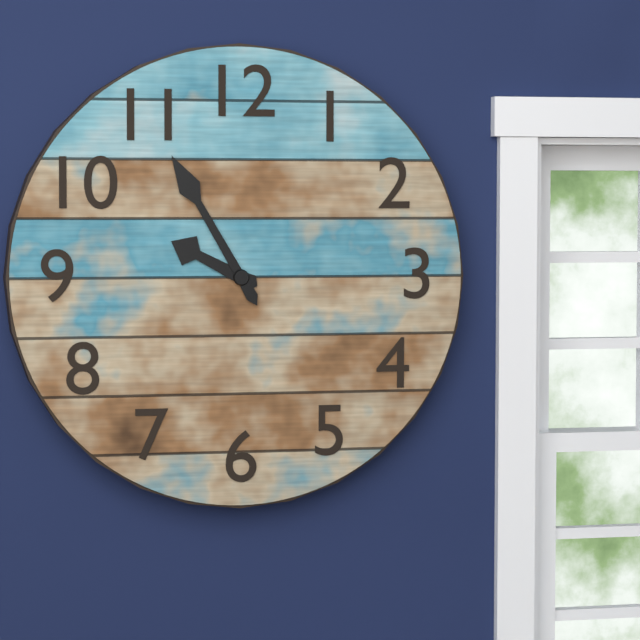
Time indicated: 9:55
